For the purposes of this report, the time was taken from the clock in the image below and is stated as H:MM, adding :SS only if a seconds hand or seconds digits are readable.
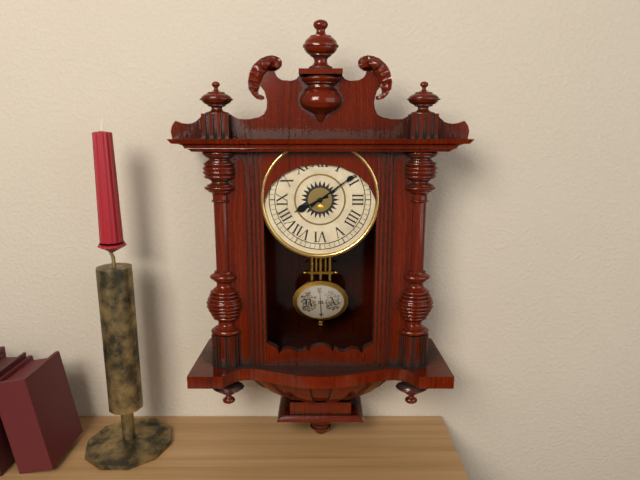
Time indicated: 8:09
